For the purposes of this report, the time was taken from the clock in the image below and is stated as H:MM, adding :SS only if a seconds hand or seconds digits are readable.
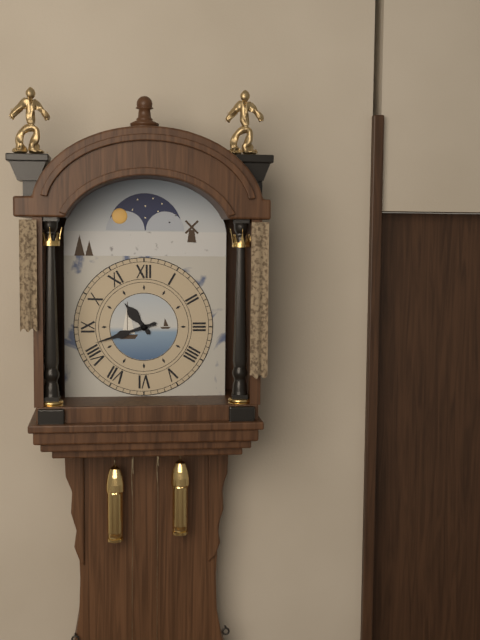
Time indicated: 10:42
